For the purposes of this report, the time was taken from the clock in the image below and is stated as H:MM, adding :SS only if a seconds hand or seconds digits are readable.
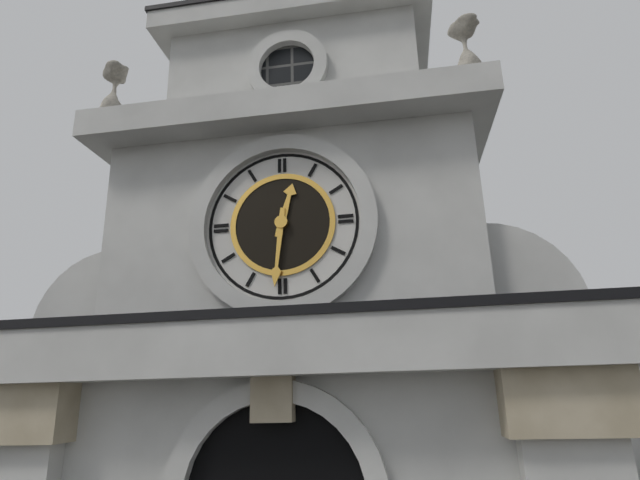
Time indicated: 12:31
